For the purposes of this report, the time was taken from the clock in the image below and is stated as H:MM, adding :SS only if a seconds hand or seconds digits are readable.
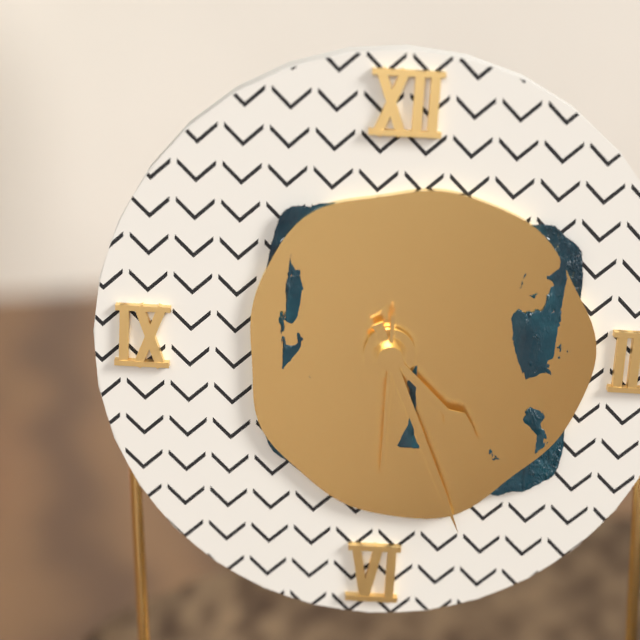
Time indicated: 4:26:30
